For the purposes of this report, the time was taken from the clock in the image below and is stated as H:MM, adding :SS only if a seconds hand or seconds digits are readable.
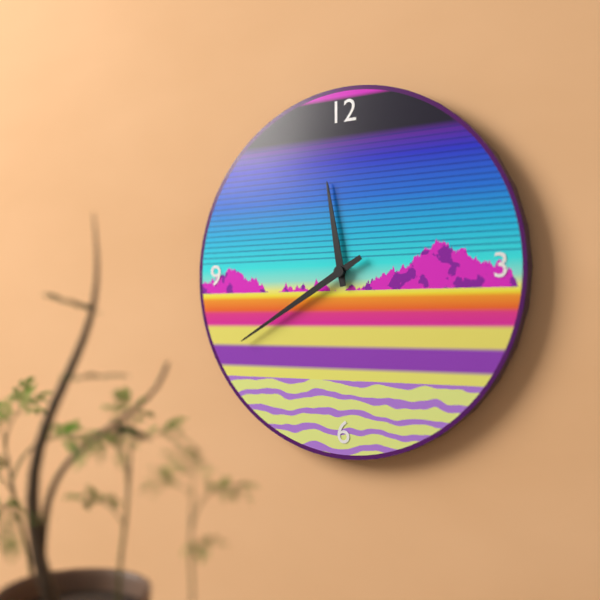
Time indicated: 11:40
